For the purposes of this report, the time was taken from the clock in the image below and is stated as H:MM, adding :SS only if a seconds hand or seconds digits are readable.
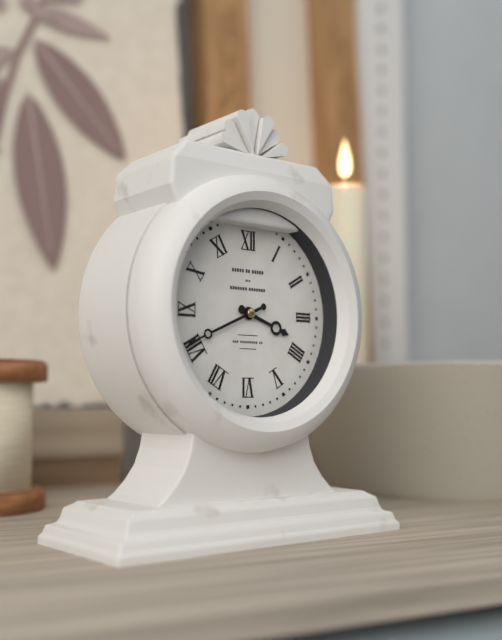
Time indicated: 3:41
